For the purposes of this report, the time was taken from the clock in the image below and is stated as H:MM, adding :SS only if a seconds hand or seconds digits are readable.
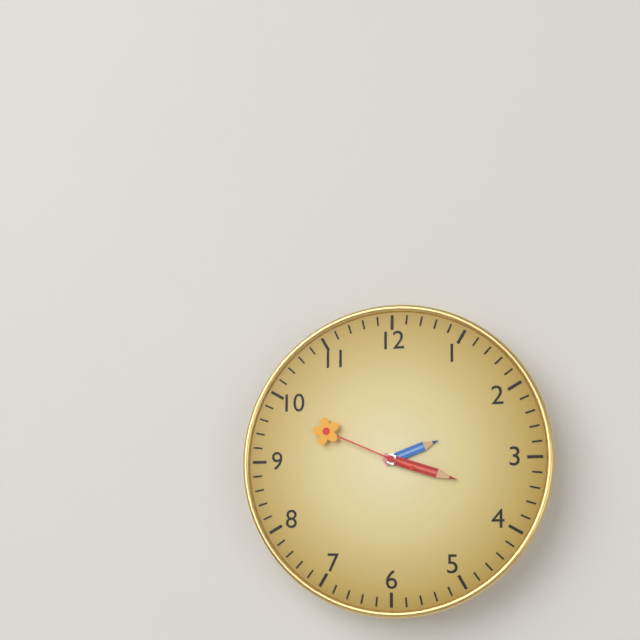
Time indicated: 2:18:49
